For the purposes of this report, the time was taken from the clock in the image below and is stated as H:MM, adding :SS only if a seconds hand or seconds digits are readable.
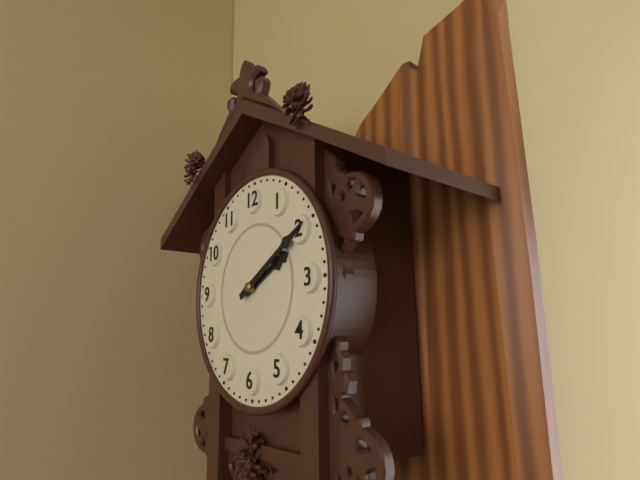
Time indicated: 2:10
